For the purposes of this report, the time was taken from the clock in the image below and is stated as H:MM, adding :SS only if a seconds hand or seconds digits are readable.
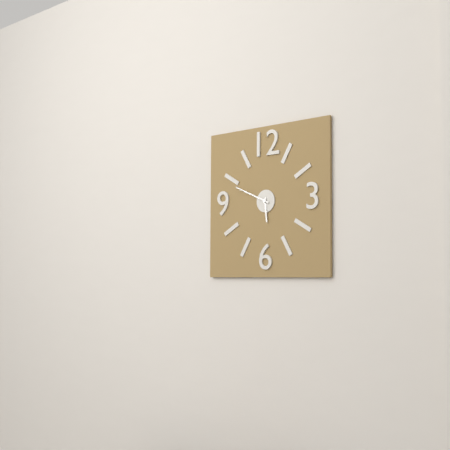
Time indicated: 5:49
